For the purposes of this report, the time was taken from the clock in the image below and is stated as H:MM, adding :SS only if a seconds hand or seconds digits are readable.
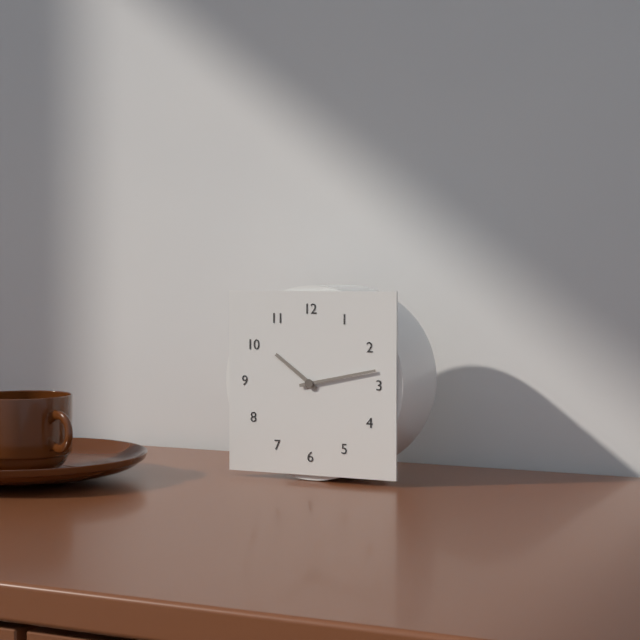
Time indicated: 10:13
